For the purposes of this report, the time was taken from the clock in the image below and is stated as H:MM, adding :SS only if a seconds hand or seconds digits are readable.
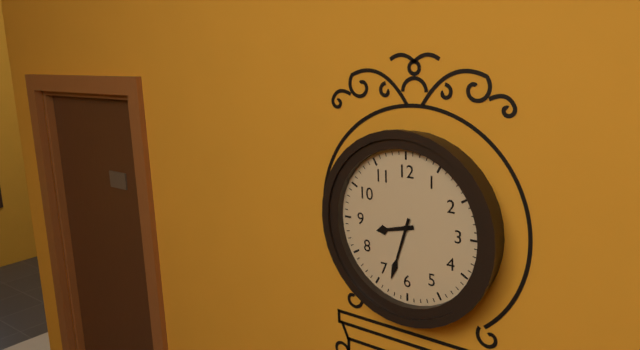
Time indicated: 8:33
